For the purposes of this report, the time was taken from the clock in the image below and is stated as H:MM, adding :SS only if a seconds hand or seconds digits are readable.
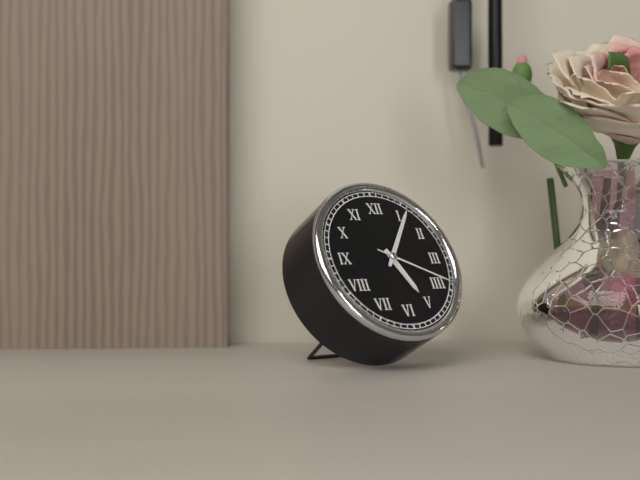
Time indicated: 5:06:19
